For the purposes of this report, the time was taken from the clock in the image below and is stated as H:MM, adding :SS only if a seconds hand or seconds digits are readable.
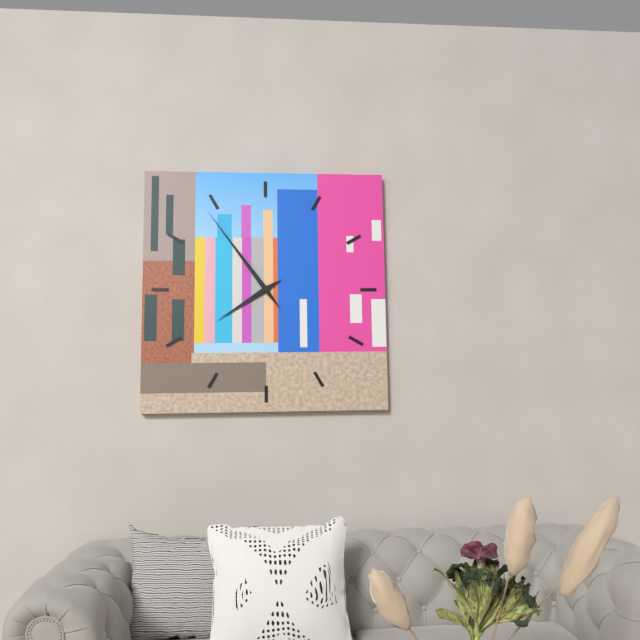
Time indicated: 7:54
